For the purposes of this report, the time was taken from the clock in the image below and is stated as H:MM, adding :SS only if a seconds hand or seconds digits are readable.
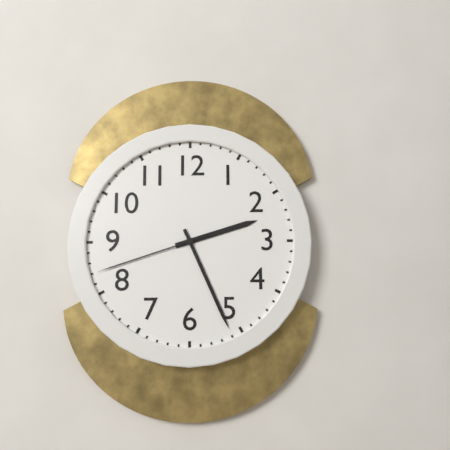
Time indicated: 2:26:42
